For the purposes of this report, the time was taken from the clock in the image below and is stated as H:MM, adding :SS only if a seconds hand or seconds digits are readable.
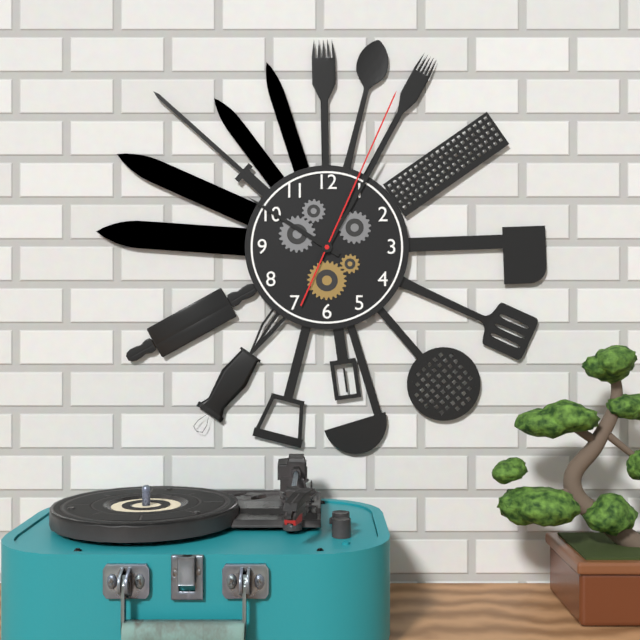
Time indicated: 10:05:04
